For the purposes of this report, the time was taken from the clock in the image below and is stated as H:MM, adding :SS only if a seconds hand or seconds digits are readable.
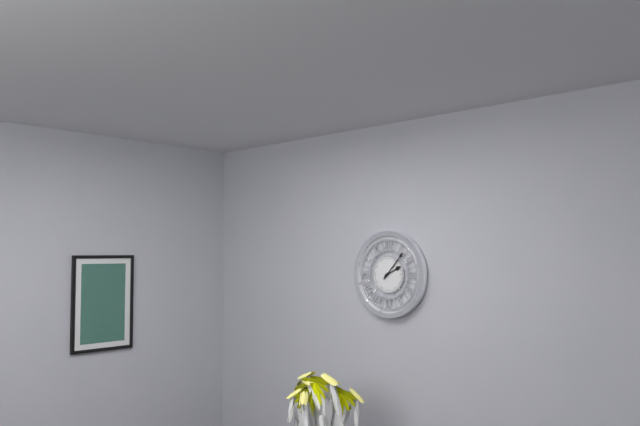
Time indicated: 2:07
